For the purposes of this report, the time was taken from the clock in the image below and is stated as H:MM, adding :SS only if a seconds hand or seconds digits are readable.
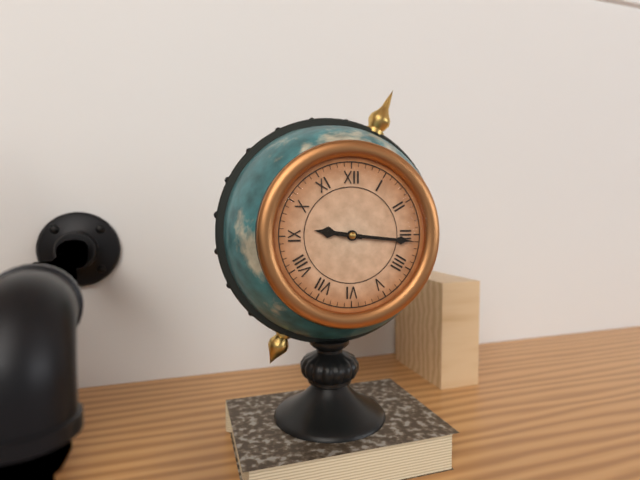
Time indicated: 9:16
